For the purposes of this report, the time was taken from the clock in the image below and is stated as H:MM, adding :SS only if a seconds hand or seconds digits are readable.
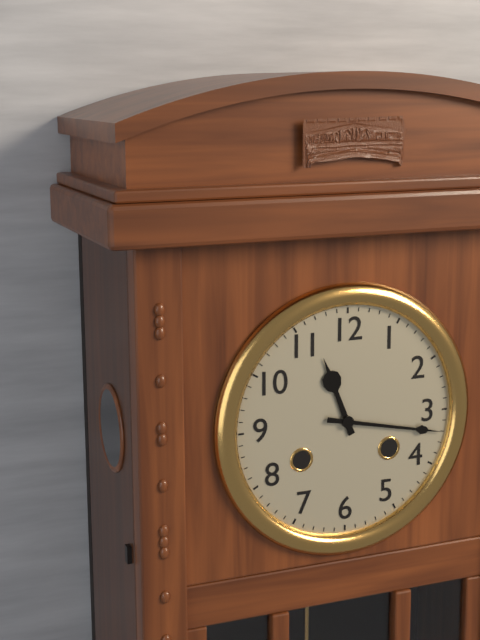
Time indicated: 11:17
